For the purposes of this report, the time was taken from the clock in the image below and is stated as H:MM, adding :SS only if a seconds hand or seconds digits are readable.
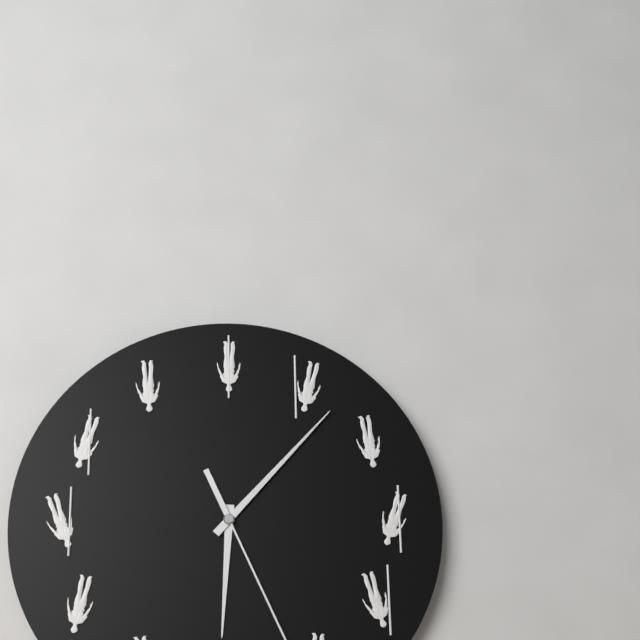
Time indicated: 6:07
